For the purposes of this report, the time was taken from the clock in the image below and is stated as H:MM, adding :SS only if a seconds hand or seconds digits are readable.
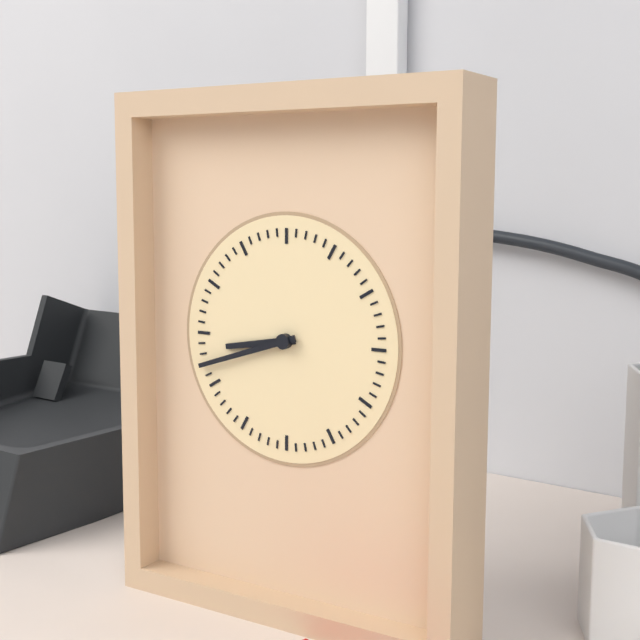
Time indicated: 8:42
